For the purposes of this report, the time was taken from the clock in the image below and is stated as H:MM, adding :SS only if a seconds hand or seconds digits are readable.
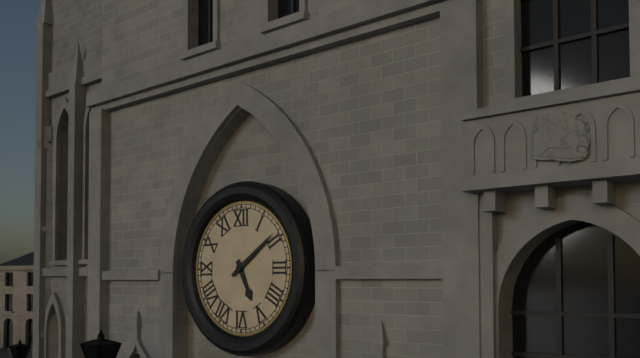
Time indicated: 5:09
